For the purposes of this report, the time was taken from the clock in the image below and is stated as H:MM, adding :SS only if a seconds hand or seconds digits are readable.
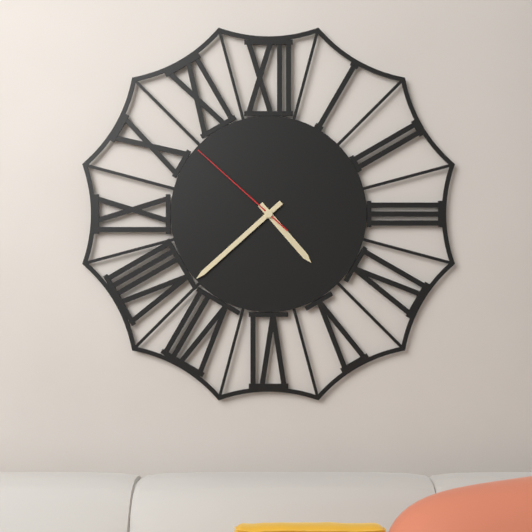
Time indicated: 4:38:52
